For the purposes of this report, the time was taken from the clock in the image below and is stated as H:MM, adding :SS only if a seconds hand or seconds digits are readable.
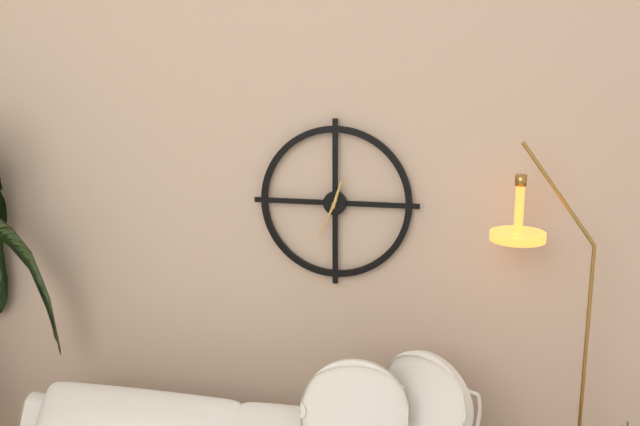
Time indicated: 12:34
